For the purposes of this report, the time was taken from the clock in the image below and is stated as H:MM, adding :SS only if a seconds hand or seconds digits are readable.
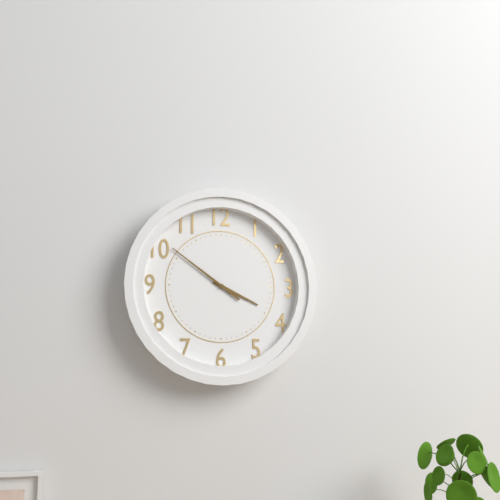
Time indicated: 3:51
